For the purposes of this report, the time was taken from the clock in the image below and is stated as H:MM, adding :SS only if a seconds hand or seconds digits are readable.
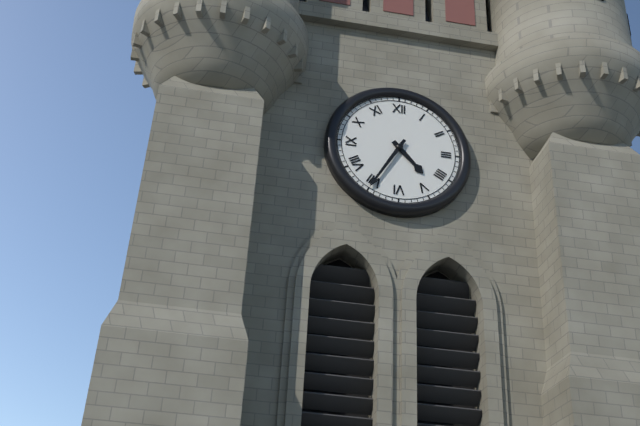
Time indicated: 4:35
